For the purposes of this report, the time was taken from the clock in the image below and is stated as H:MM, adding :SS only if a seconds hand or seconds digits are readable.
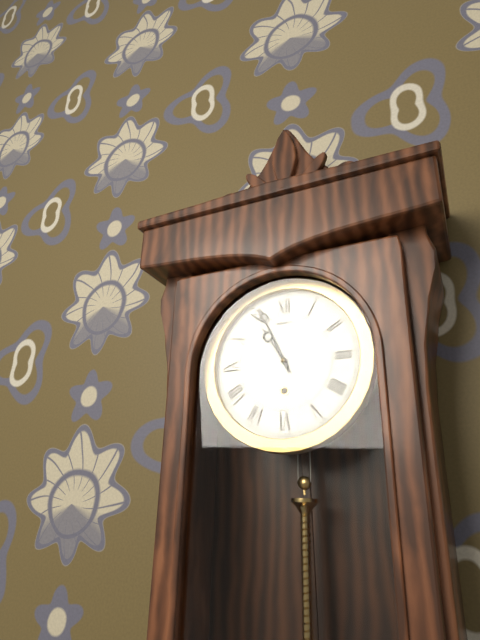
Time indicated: 10:56
